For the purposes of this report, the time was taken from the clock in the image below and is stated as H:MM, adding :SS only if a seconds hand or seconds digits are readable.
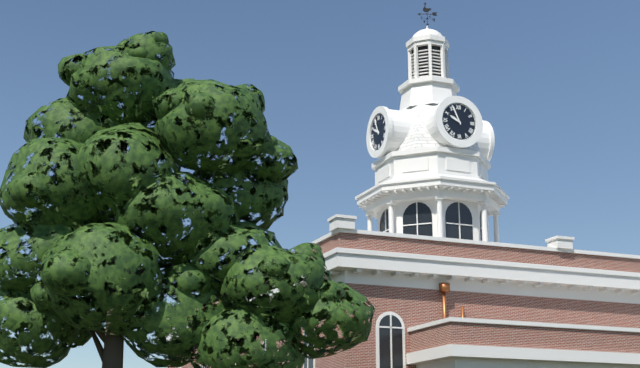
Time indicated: 9:56
